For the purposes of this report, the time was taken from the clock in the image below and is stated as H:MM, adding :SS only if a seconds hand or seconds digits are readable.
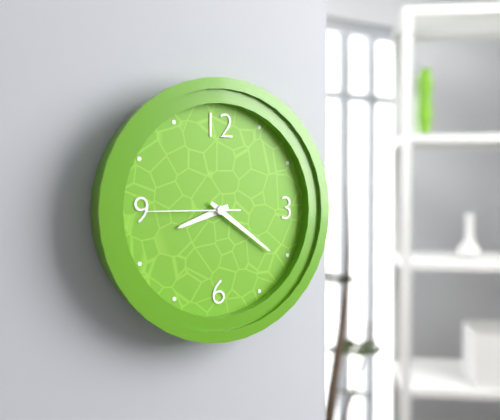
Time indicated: 8:21:45
